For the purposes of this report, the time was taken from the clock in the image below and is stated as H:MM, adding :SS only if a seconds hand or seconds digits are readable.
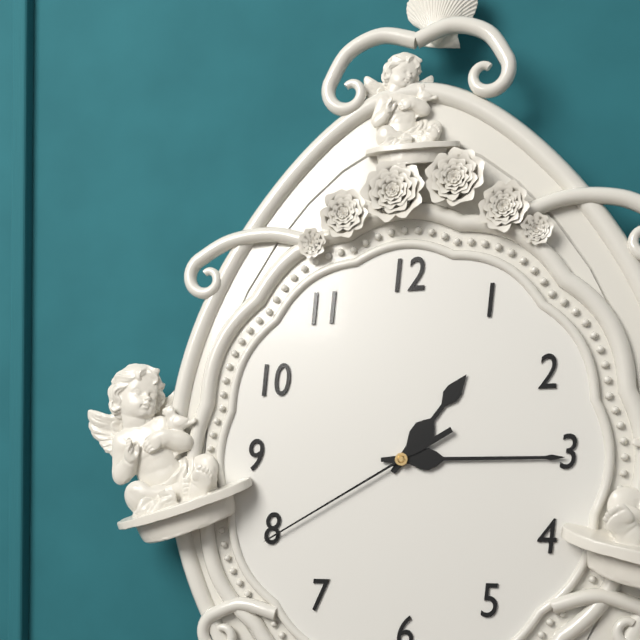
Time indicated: 1:15:40
